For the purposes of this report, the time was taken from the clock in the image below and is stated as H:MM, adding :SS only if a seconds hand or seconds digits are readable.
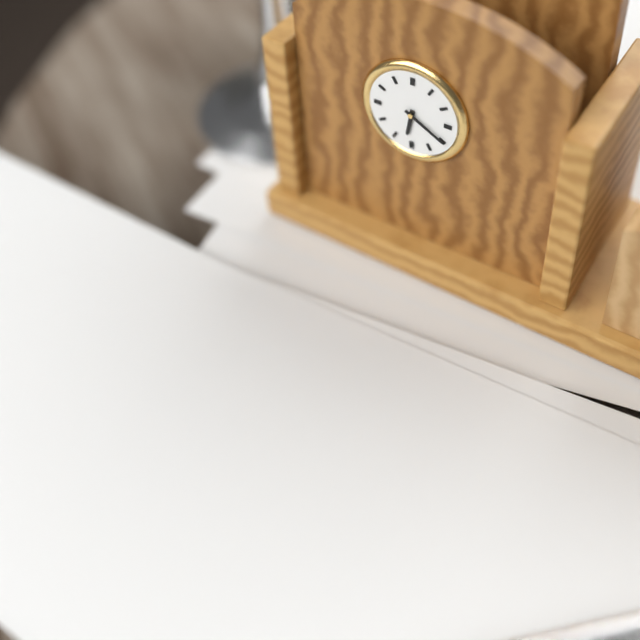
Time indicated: 6:20
